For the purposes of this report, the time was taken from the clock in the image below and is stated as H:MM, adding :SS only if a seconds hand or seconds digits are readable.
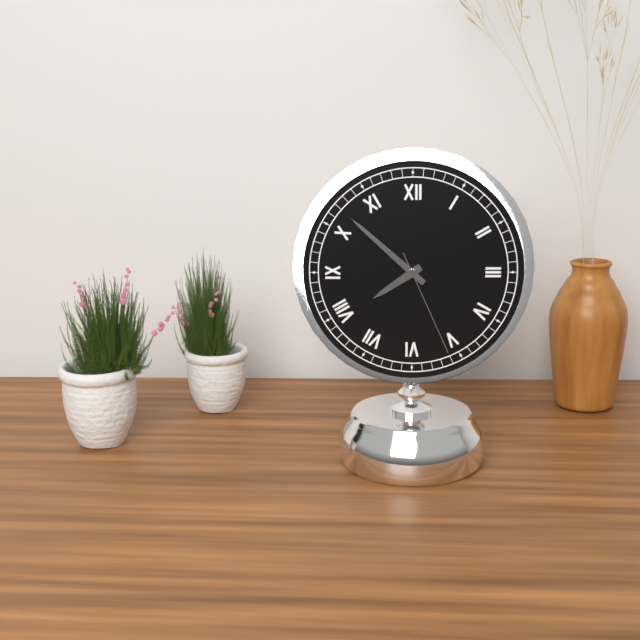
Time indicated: 7:52:26
